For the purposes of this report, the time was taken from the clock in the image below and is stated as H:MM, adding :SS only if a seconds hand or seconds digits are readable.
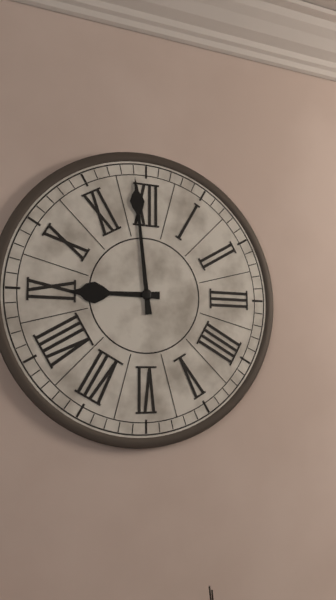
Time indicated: 8:59
